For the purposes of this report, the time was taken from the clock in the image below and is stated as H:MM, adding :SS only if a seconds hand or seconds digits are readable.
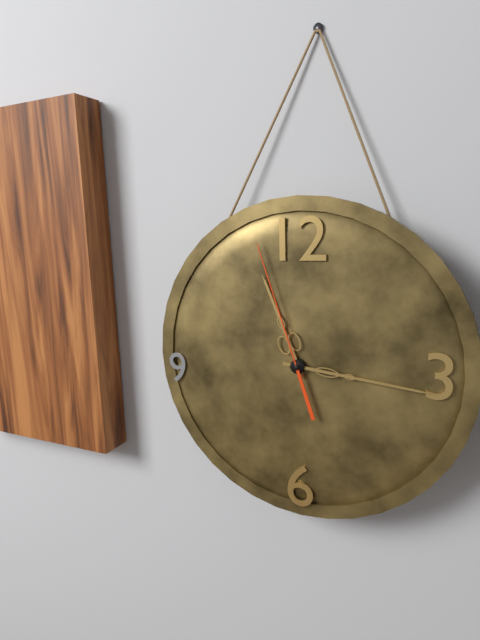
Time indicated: 11:16:57
